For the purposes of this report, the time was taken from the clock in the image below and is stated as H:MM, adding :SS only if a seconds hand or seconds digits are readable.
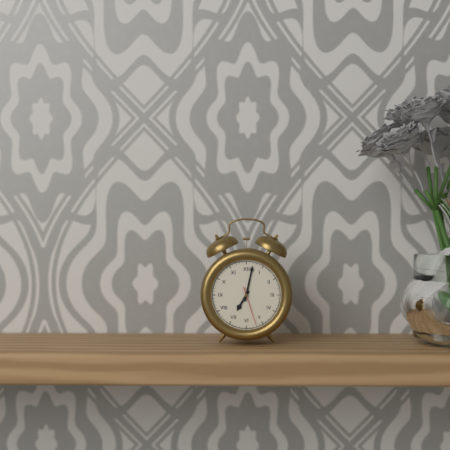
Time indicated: 7:02
